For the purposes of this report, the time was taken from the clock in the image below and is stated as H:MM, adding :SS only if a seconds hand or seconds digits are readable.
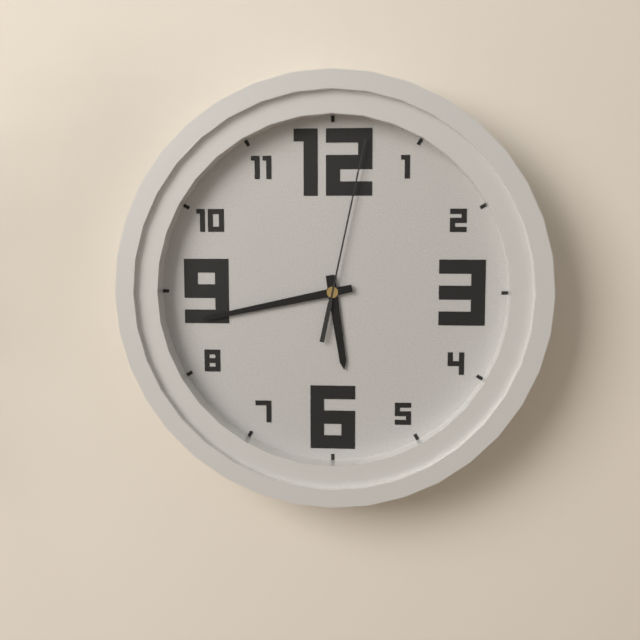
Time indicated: 5:43:02
